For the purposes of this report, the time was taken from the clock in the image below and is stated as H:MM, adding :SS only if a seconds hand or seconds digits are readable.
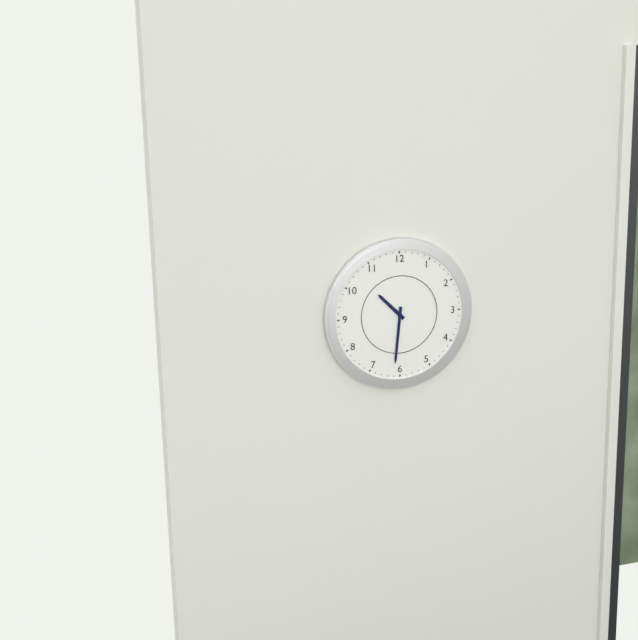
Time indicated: 10:31
